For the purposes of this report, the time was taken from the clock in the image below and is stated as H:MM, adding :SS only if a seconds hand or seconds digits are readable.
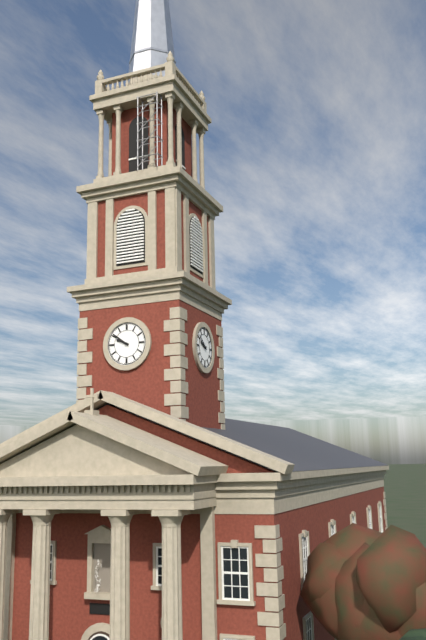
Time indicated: 9:51
